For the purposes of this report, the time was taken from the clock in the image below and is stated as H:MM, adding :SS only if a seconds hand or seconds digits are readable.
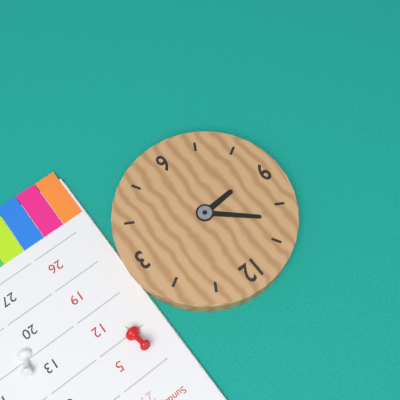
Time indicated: 8:52
